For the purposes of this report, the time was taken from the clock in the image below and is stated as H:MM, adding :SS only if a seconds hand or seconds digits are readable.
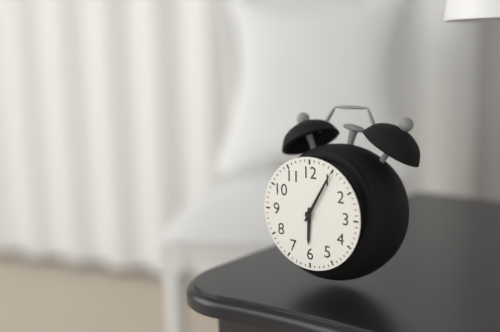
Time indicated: 6:05
